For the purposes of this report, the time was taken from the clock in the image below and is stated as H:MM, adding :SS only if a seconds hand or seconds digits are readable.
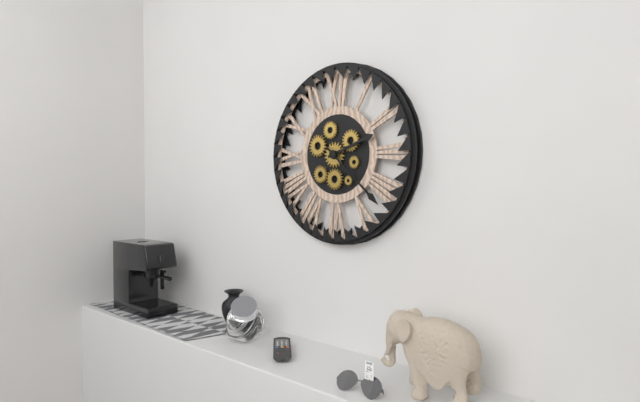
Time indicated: 2:22
